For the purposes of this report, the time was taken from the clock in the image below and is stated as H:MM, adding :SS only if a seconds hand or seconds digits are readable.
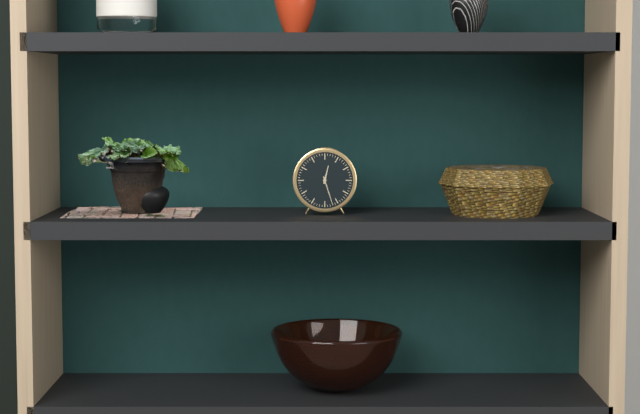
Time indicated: 12:27
